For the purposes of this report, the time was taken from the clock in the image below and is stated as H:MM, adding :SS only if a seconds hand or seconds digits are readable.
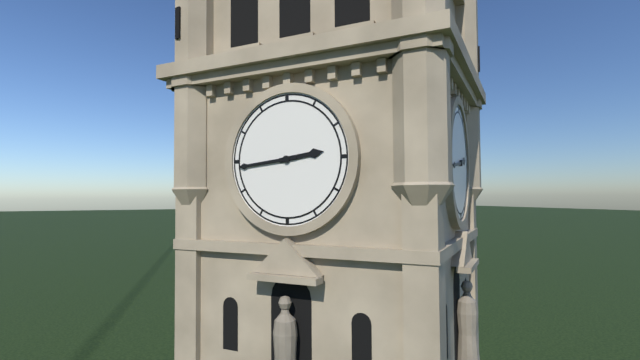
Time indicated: 2:44
